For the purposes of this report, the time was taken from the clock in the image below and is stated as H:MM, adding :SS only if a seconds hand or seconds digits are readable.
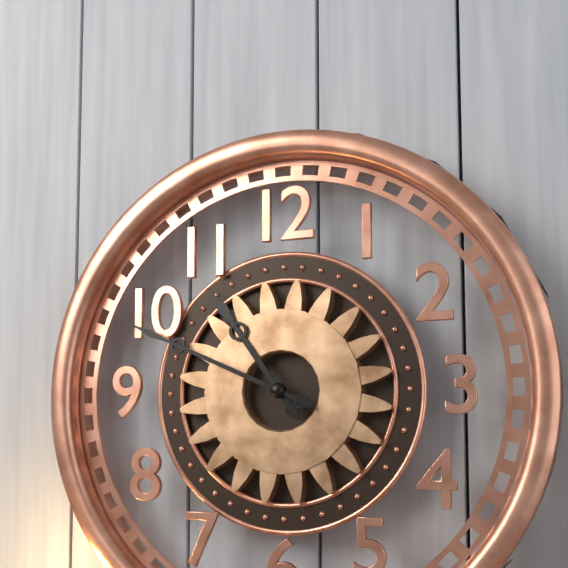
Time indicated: 10:49
